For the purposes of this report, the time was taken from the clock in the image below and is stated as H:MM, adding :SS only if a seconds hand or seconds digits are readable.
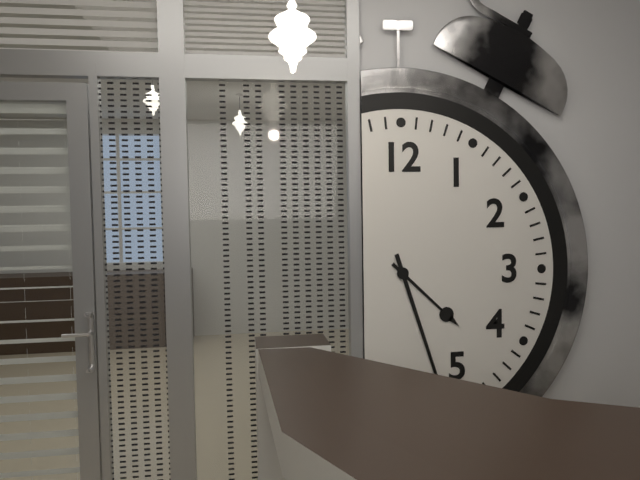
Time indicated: 4:27
